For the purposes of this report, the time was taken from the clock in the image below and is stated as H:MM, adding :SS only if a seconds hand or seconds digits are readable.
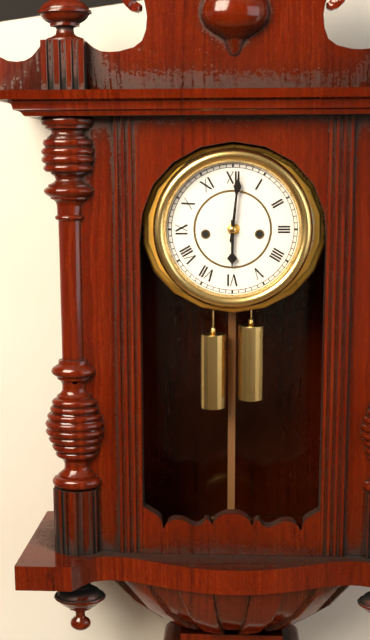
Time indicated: 6:01
